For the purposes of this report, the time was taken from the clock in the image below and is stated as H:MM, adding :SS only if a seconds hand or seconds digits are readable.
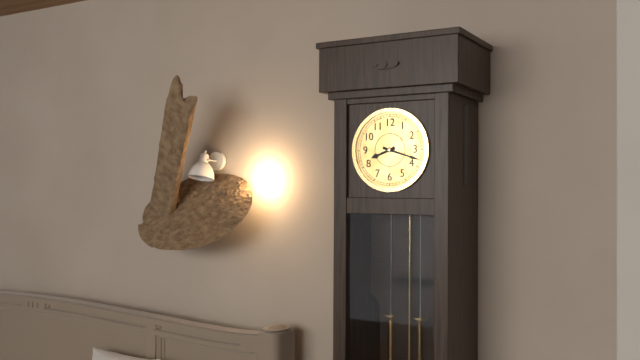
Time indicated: 8:18
